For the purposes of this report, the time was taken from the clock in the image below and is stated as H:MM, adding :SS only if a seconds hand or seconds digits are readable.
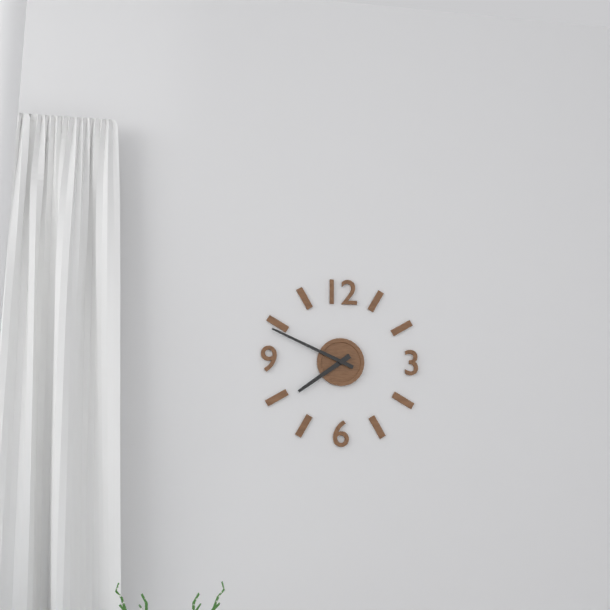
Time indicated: 7:49
